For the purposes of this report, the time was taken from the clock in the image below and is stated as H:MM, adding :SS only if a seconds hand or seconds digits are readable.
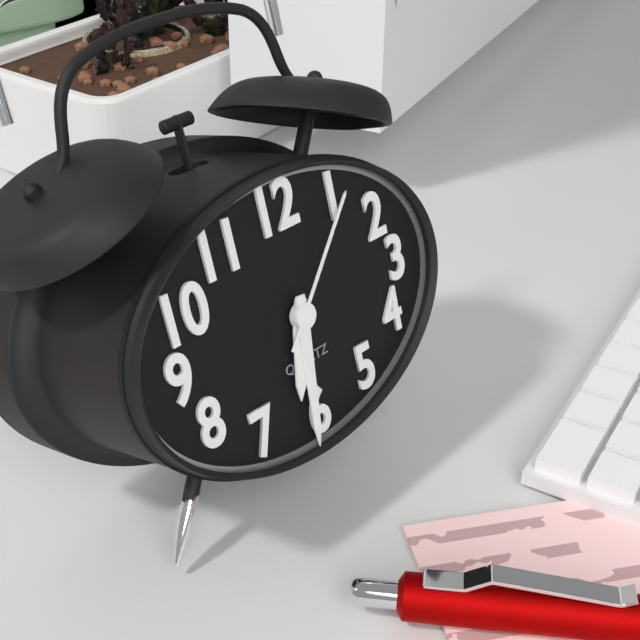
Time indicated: 6:31:07
